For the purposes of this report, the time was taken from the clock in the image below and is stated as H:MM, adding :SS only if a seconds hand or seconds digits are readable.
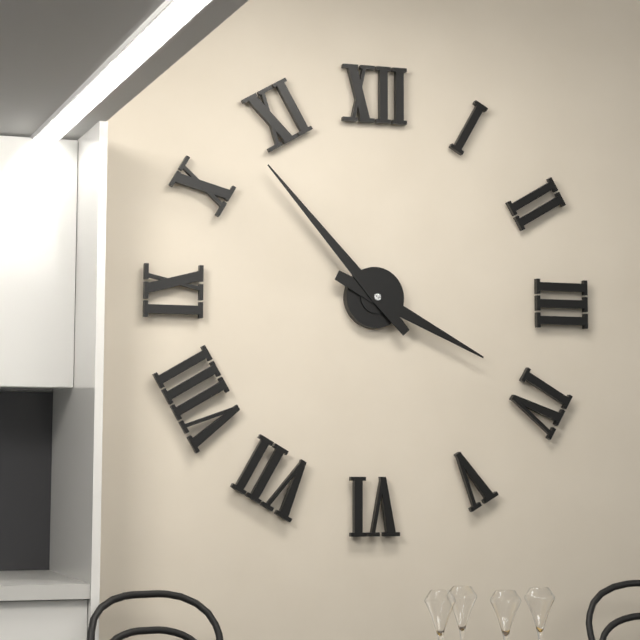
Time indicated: 3:53
